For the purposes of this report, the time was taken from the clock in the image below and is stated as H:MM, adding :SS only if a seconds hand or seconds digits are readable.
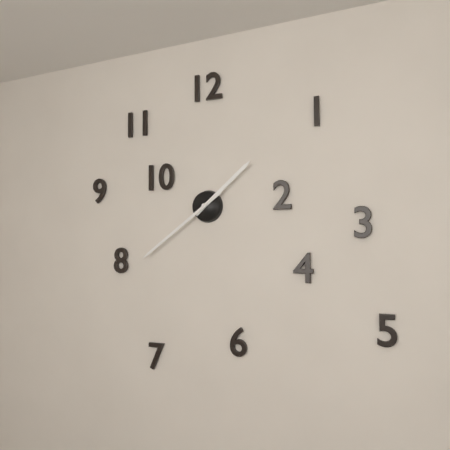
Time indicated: 1:39
